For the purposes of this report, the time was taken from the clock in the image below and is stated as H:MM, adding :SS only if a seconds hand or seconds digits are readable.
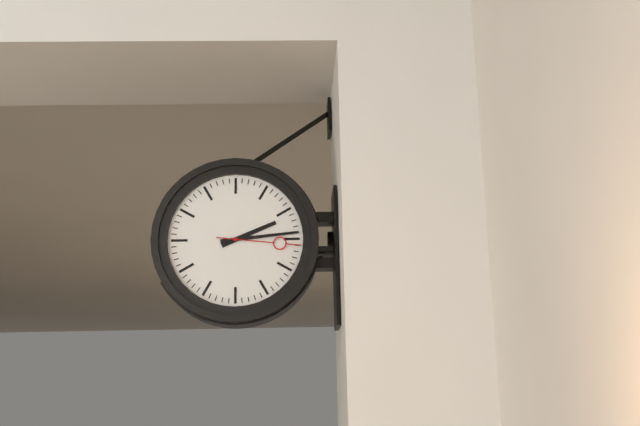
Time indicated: 2:14:16
